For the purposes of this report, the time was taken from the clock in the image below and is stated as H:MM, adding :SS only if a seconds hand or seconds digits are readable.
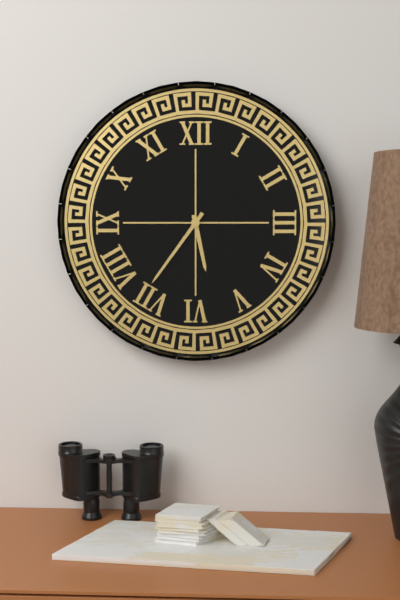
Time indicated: 5:36
